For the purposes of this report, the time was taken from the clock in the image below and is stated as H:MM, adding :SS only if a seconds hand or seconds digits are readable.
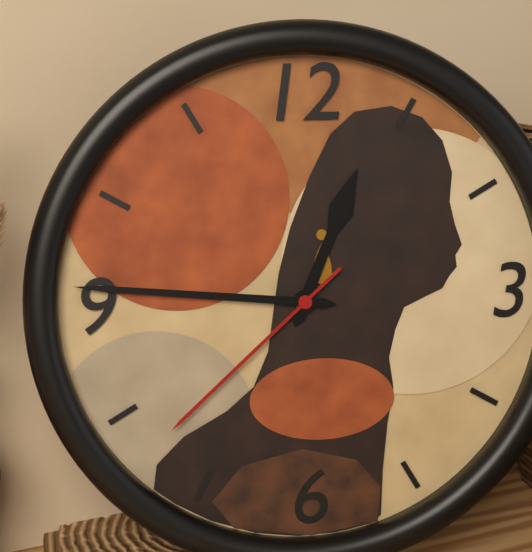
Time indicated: 12:46:38
